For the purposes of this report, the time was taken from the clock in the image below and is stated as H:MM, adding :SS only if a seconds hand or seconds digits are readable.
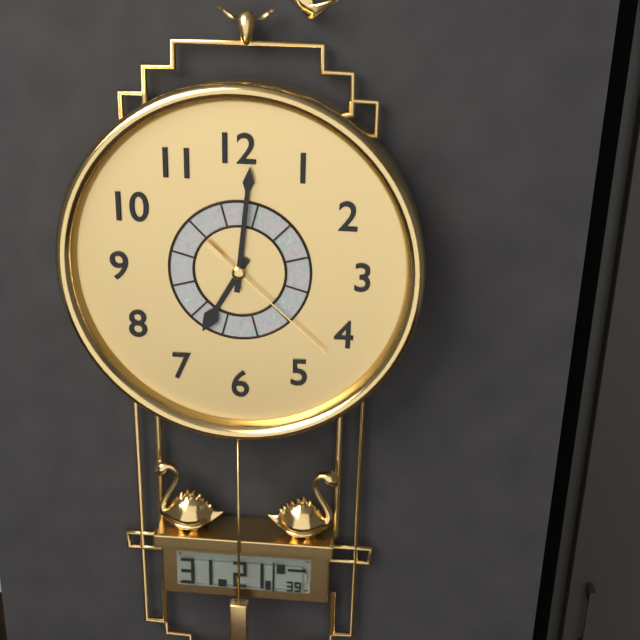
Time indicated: 7:01:22
